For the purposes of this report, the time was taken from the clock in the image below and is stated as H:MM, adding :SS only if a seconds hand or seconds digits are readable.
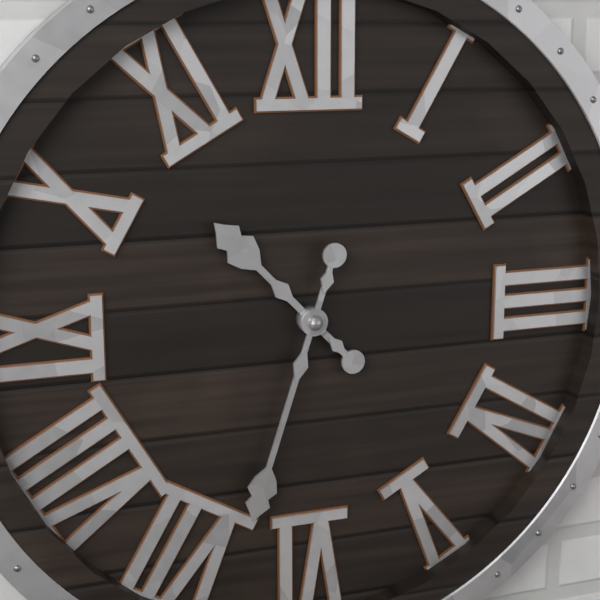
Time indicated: 10:33
